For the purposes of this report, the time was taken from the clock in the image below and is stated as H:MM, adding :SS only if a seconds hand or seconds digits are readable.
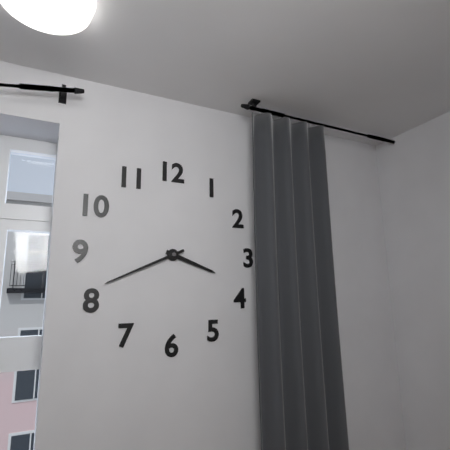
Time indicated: 3:41
